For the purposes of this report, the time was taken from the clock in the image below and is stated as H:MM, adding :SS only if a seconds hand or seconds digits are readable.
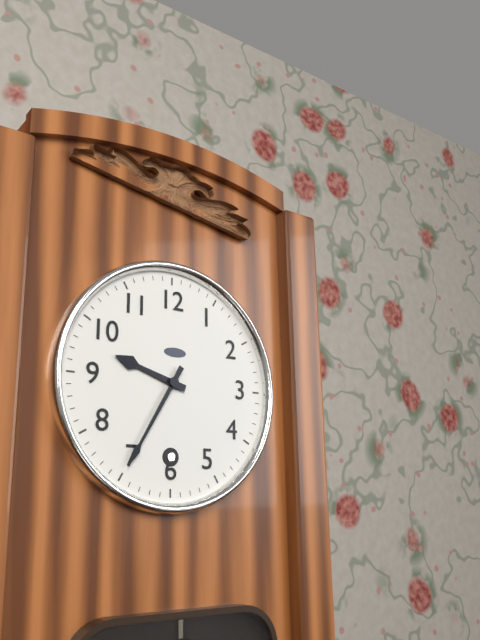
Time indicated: 9:35
